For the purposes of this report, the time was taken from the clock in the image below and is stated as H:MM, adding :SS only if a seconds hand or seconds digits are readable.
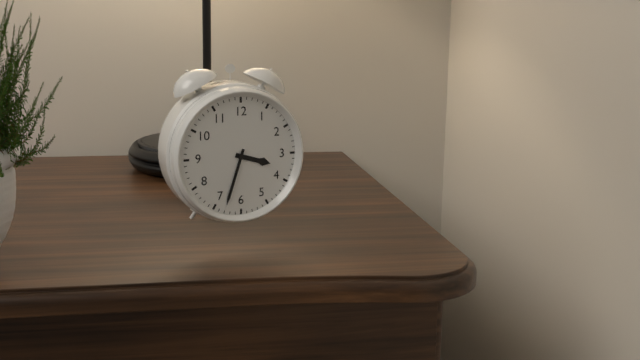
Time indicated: 3:33
